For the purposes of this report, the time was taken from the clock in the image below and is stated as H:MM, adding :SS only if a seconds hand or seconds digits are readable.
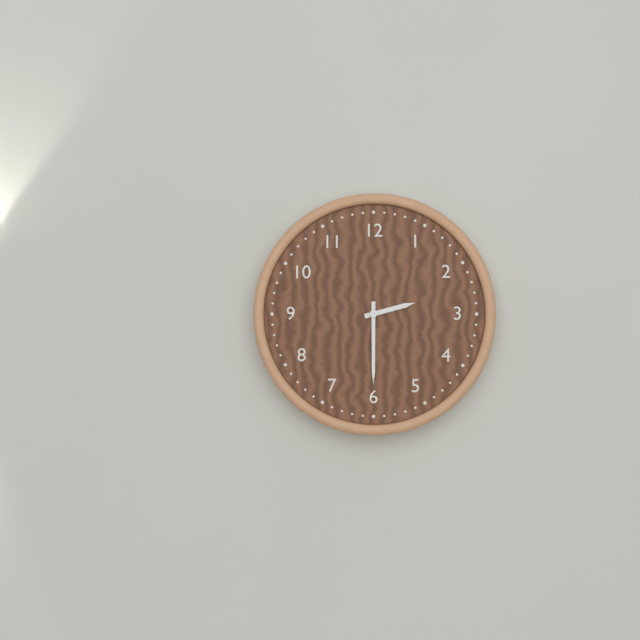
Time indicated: 2:30
